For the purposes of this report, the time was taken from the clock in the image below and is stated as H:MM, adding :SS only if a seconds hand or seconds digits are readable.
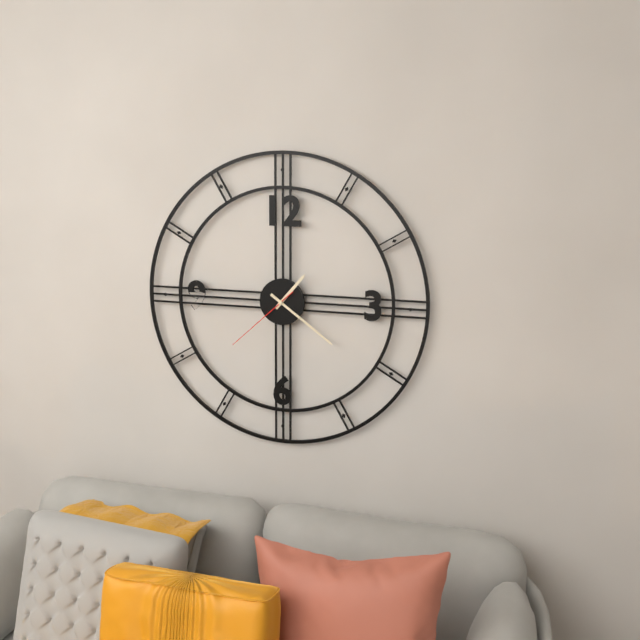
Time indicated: 1:21:38
